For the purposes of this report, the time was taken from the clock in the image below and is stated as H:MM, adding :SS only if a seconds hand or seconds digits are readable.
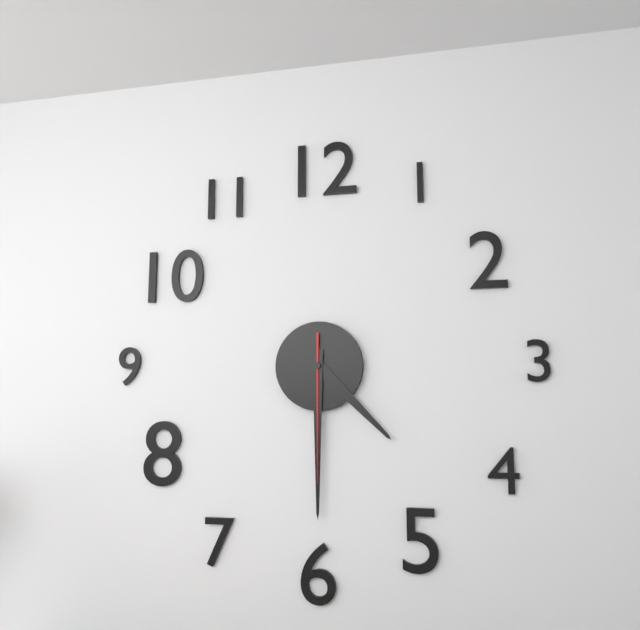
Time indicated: 4:30:30
